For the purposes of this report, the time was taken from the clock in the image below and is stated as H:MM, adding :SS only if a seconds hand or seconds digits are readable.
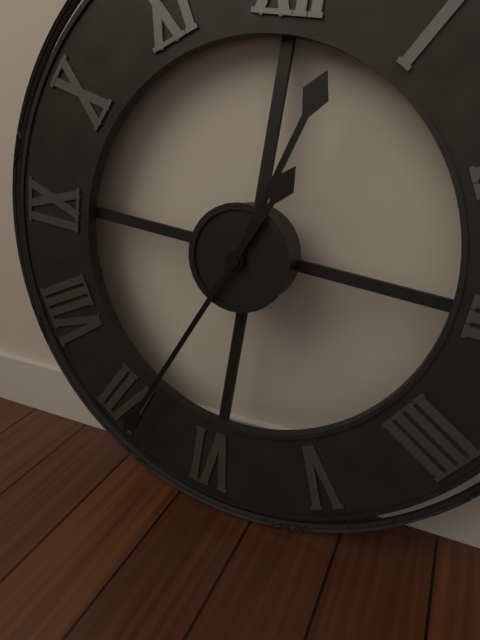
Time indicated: 12:34
